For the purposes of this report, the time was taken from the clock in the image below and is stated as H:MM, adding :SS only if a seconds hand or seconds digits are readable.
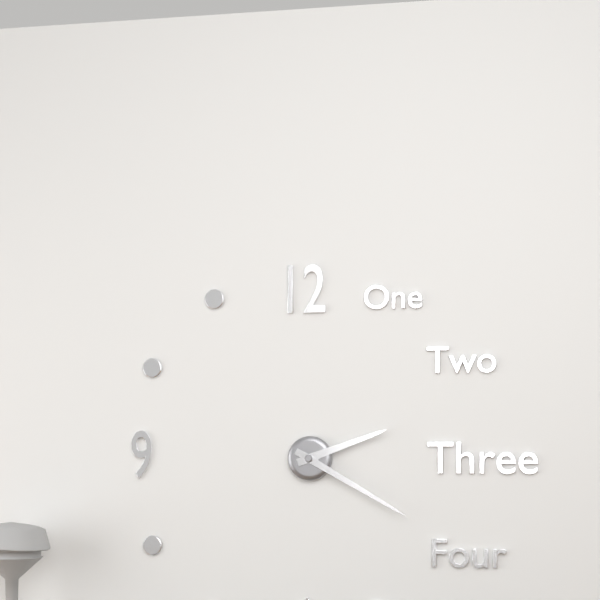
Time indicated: 2:20
